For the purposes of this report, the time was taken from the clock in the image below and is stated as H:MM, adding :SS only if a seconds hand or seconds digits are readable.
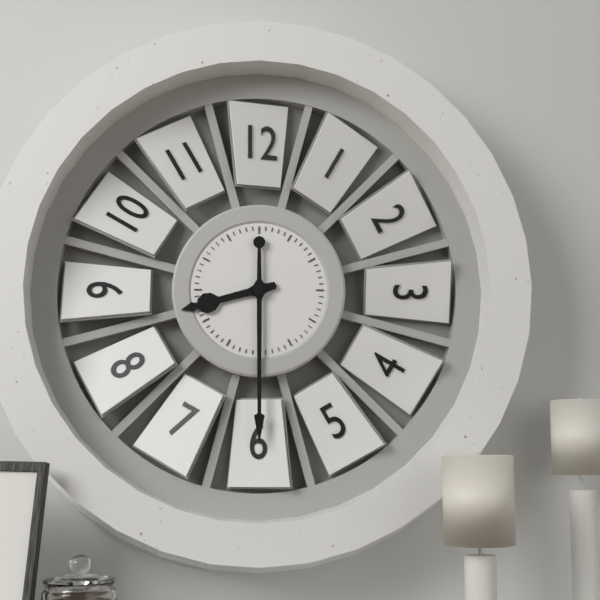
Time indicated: 8:30
